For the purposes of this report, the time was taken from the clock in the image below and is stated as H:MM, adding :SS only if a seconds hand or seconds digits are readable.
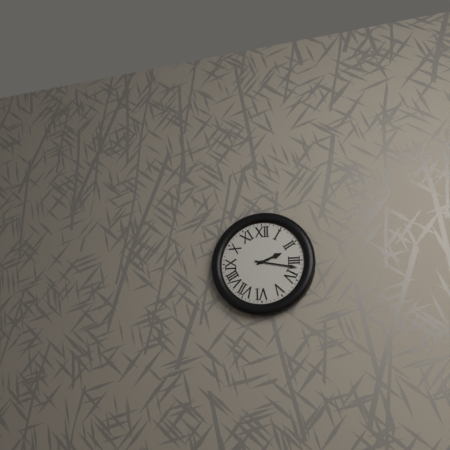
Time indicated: 2:17
